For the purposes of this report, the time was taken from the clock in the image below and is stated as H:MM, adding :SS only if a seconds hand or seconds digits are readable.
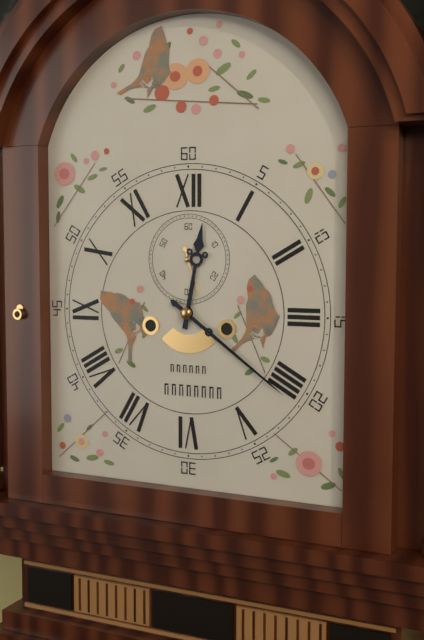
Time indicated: 12:21
